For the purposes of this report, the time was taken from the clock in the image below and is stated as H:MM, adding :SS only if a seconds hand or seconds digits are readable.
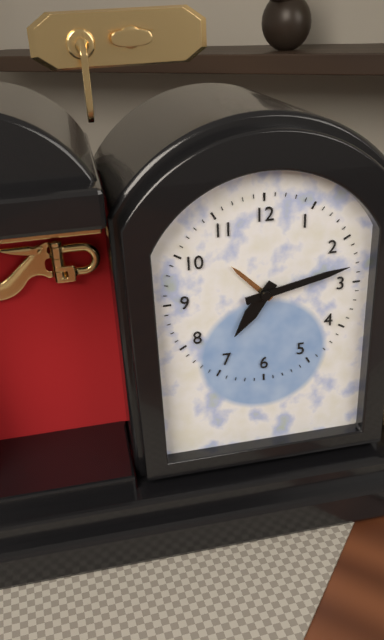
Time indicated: 7:13
